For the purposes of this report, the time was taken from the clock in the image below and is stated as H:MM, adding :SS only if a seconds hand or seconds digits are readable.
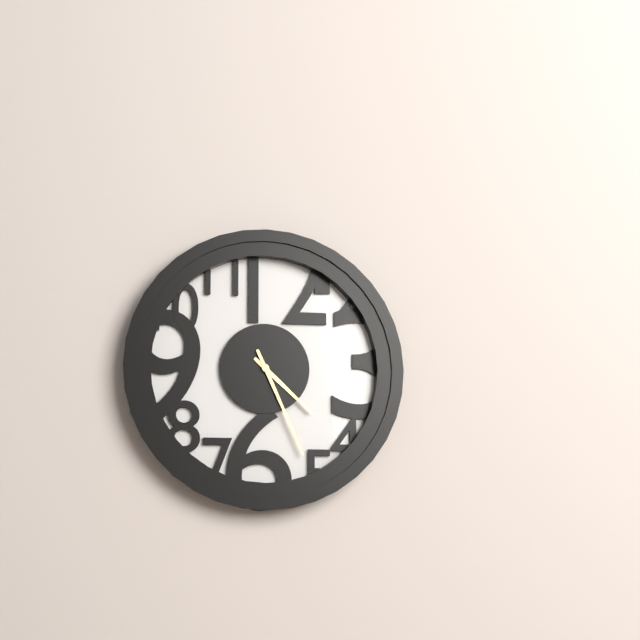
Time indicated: 4:26
